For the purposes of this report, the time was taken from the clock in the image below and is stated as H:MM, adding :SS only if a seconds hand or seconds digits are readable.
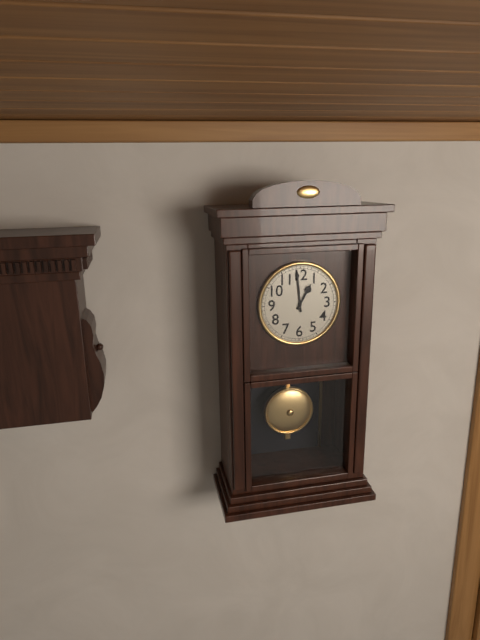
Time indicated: 12:59
